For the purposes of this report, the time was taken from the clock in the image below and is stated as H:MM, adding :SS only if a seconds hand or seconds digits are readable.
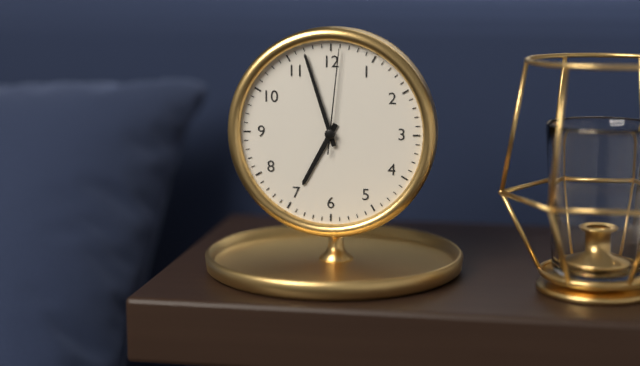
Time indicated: 6:57:01
